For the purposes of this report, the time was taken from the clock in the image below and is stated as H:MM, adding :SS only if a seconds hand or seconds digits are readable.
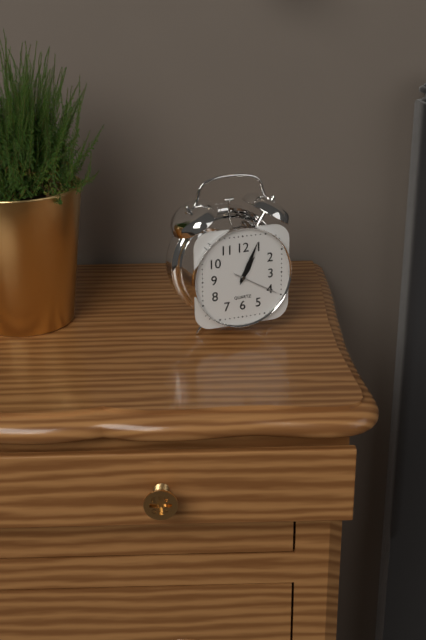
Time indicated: 1:04
